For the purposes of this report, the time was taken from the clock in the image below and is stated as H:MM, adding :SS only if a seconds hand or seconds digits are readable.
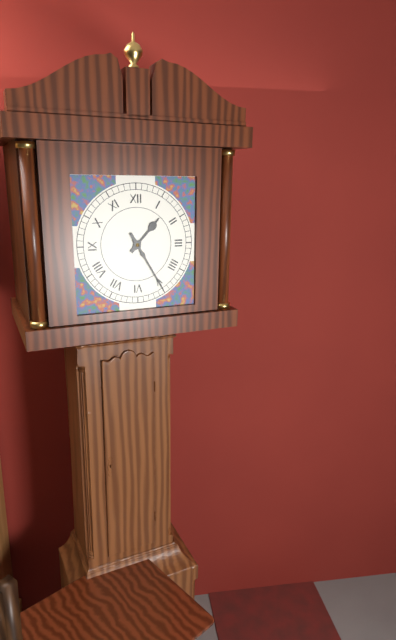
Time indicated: 1:25
